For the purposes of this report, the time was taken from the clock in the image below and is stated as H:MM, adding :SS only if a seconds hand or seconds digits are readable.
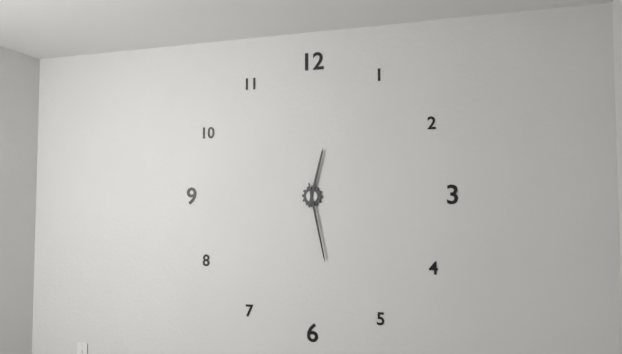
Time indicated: 12:28
